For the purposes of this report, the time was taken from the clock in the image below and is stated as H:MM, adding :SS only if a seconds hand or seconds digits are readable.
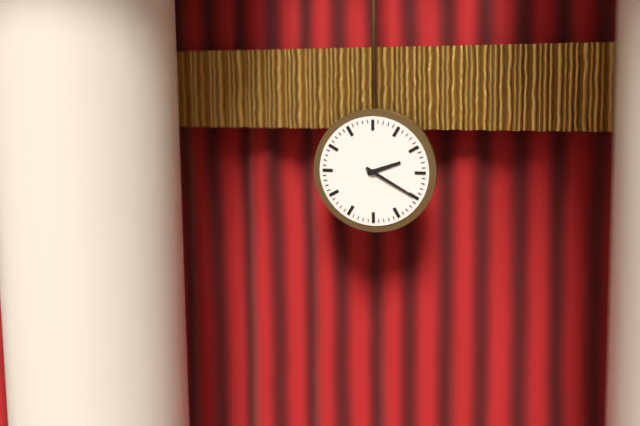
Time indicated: 2:20
